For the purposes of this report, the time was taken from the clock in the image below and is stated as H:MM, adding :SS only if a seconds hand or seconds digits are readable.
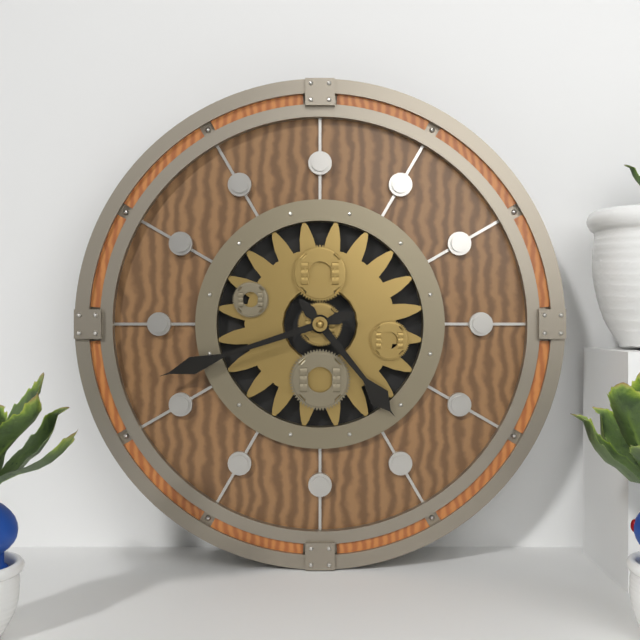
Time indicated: 4:42
